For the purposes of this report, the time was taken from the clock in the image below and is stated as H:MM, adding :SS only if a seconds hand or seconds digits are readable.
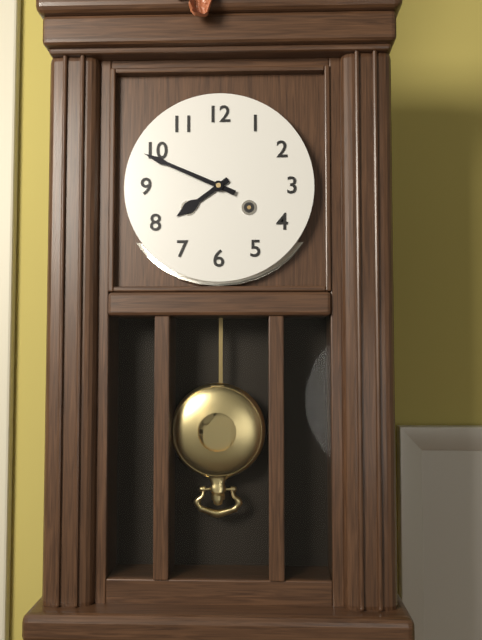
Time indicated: 7:49
